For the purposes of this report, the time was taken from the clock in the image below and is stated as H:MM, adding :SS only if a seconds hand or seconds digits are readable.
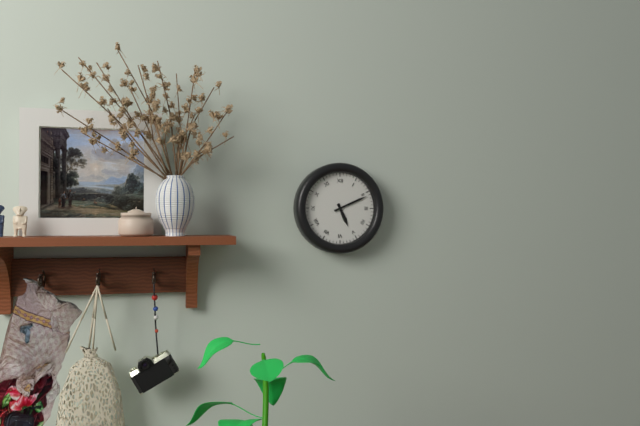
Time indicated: 5:11
